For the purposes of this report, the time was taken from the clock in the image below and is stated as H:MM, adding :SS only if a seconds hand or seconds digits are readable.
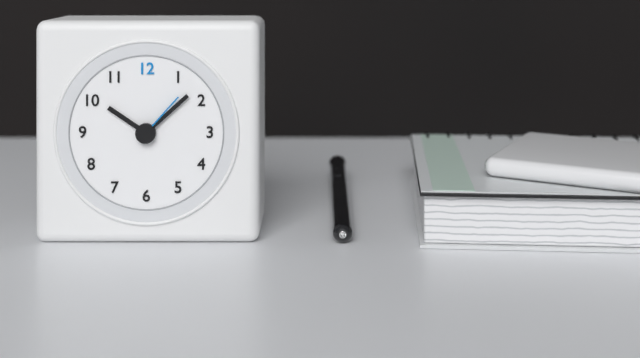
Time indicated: 10:08:07
